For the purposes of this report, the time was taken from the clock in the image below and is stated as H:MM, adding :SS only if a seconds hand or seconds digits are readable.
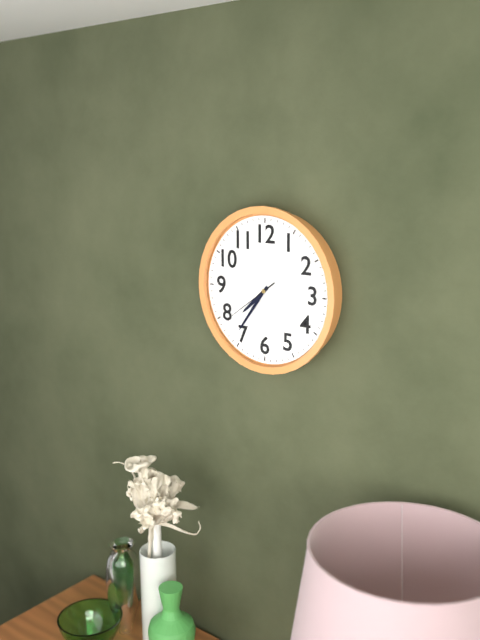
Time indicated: 7:36:39
